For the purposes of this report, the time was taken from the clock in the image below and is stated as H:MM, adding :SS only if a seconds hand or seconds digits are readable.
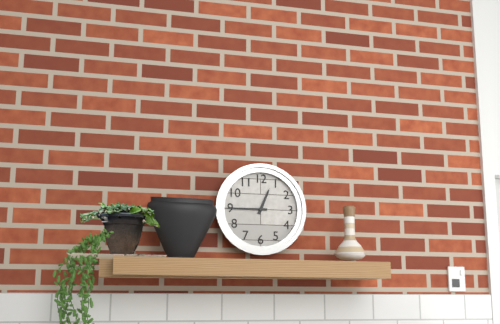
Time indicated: 12:45
